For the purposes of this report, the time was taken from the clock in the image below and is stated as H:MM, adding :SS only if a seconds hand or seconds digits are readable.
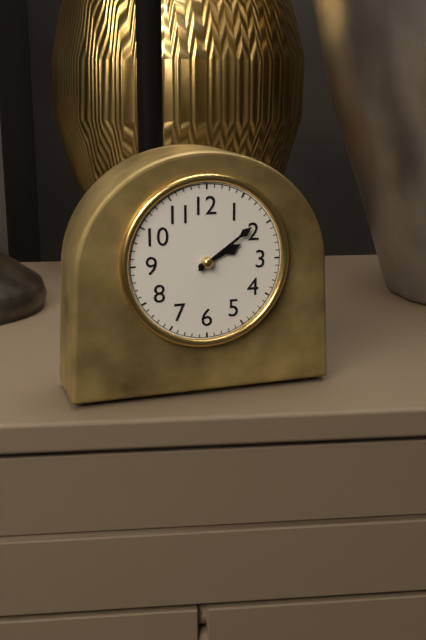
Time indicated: 2:09
